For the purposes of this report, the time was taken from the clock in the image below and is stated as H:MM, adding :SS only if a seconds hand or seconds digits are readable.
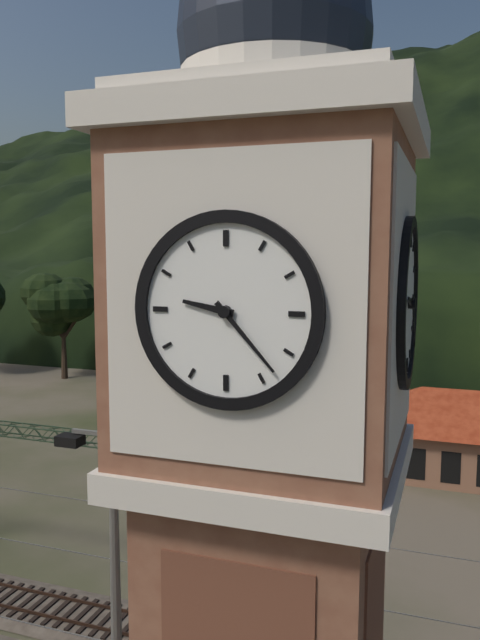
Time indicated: 9:23
